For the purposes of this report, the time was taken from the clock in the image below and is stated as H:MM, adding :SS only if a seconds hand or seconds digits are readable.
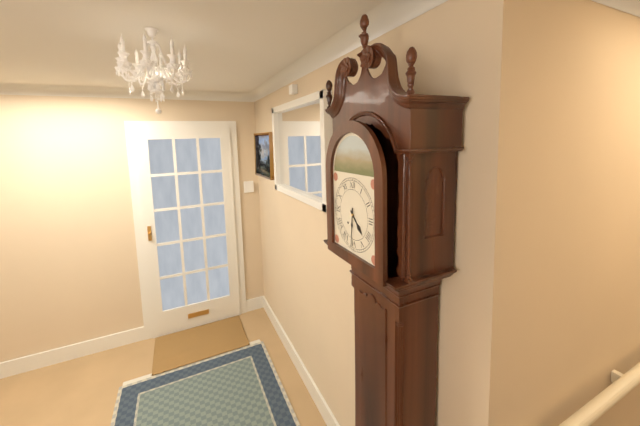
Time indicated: 4:31
